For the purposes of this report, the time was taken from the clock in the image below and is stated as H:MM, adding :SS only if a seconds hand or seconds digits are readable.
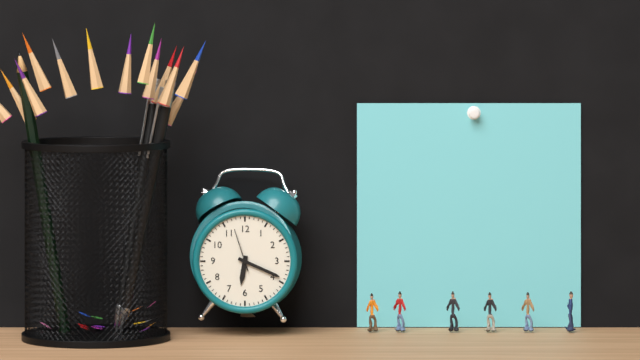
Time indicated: 6:19
